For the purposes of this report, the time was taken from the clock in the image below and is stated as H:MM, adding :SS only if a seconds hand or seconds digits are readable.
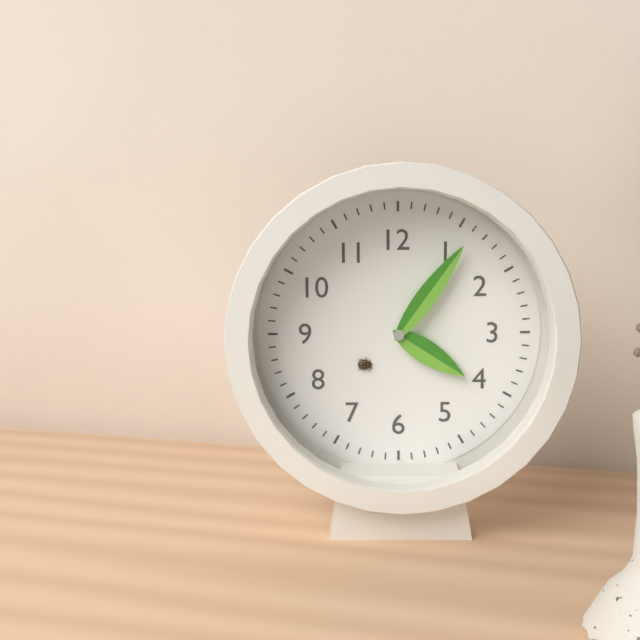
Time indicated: 4:06
